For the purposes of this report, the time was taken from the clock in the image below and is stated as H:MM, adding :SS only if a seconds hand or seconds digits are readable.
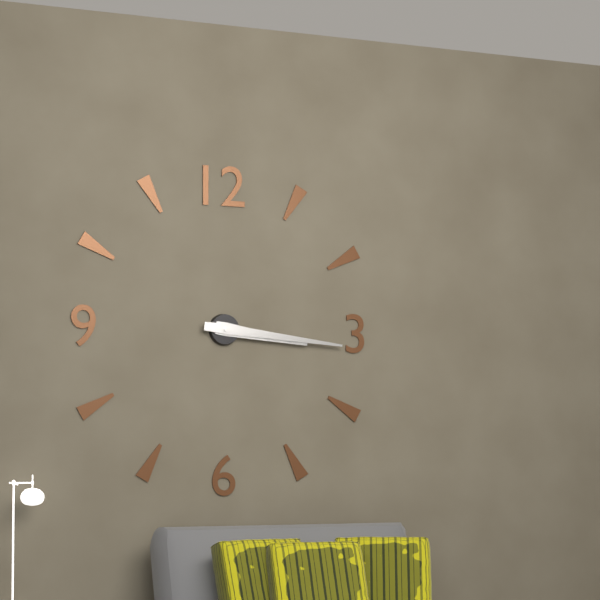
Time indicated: 3:16
